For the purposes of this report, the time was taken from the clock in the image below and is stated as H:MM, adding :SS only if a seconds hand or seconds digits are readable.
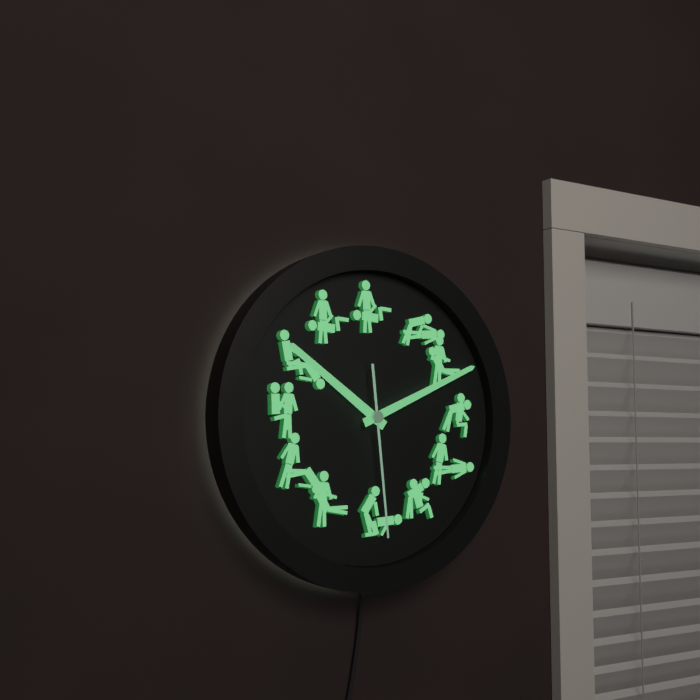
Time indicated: 10:11:29
